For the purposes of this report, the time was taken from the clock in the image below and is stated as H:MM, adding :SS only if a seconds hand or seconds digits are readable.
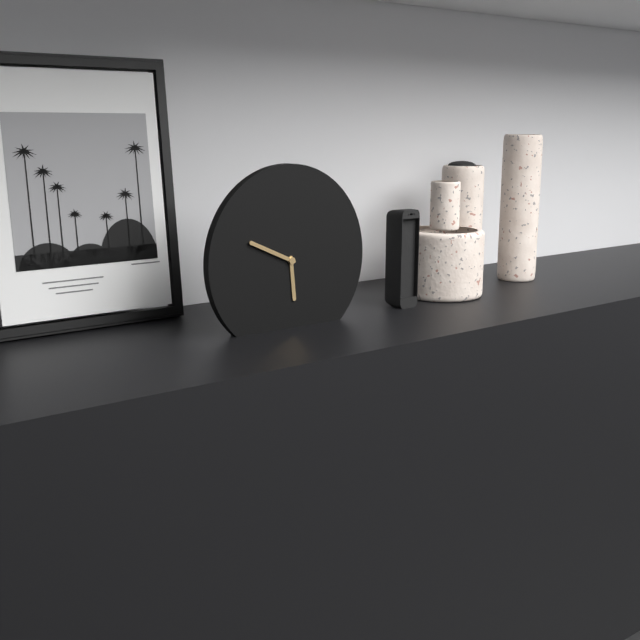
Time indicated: 5:49
